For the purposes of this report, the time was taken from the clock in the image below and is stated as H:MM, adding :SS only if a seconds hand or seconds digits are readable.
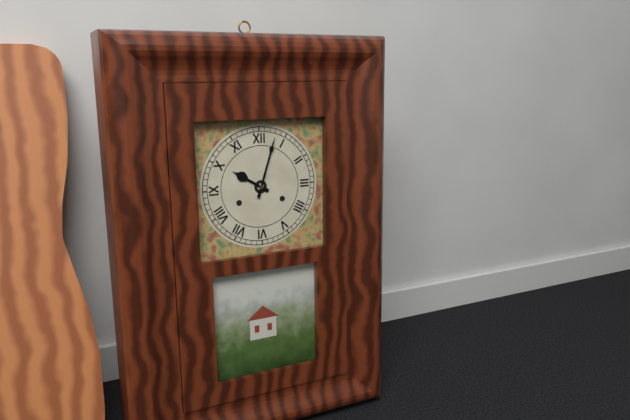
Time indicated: 10:03
